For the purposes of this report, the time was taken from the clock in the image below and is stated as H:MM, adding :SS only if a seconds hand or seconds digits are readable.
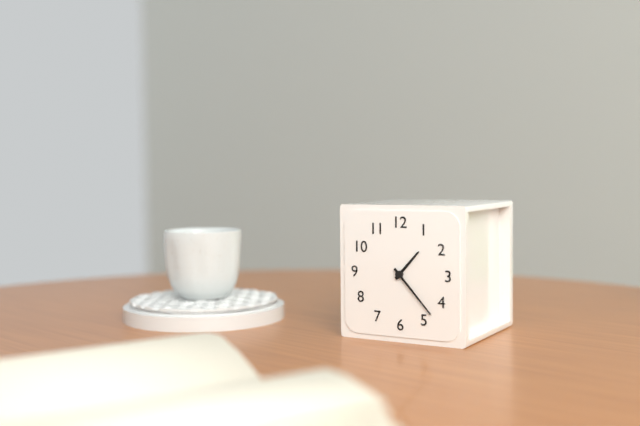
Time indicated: 1:23
